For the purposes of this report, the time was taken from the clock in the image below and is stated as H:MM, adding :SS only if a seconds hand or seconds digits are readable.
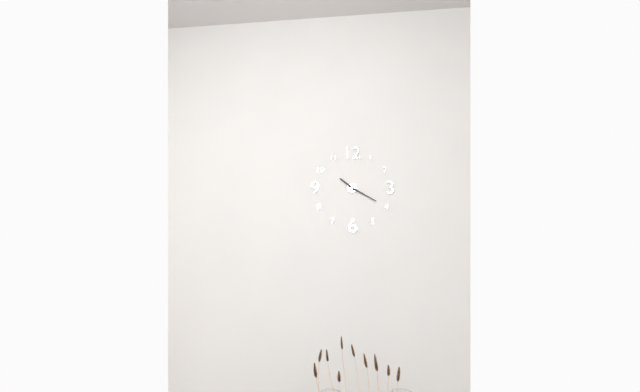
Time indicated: 10:20
